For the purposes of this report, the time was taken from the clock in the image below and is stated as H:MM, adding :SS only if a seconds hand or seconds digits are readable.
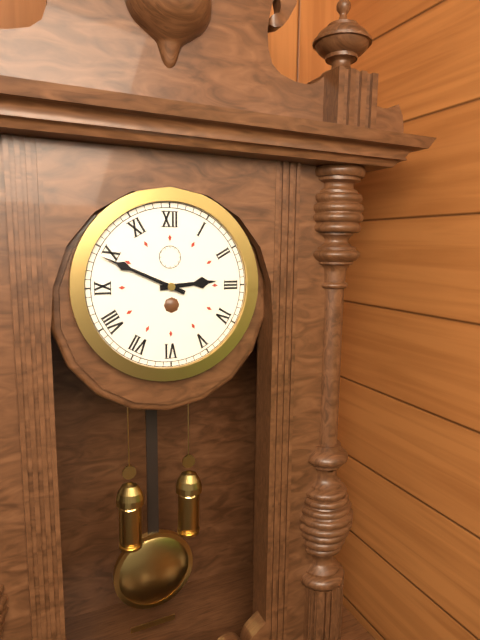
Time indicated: 2:49
